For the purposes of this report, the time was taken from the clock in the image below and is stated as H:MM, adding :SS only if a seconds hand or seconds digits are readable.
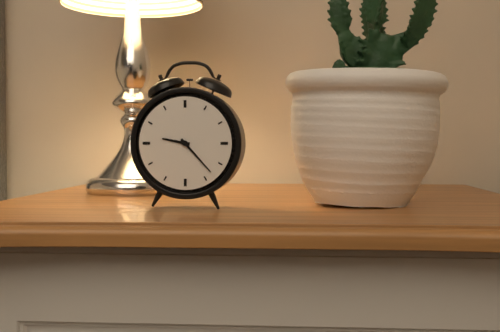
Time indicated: 9:23
